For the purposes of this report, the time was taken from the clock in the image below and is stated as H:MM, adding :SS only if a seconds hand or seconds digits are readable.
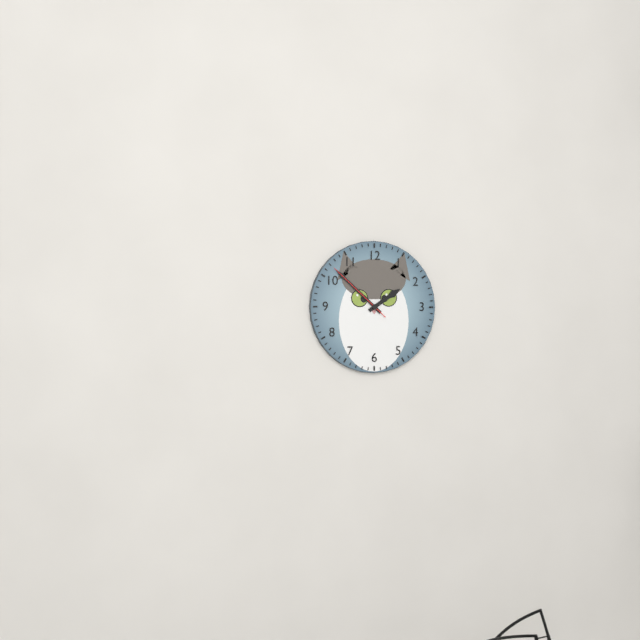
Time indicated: 1:52:52
